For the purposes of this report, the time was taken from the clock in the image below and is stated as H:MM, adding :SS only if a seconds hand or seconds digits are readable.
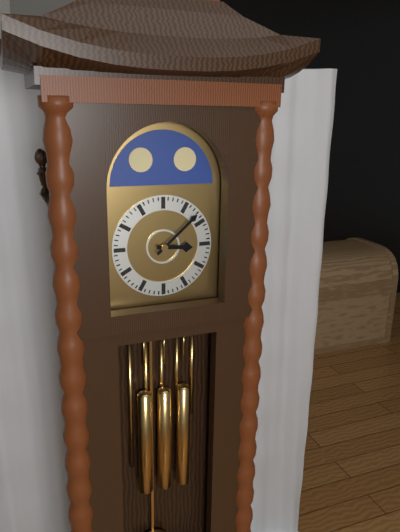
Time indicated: 3:08
